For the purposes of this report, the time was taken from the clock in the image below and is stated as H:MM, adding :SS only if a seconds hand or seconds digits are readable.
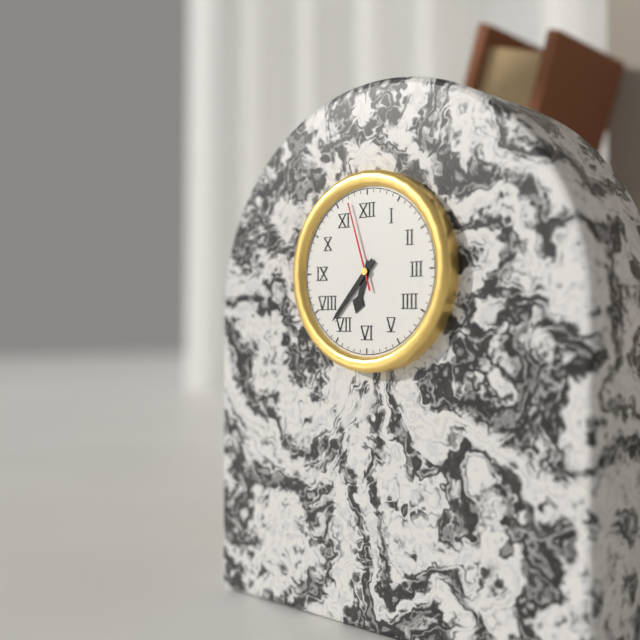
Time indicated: 6:37:57
